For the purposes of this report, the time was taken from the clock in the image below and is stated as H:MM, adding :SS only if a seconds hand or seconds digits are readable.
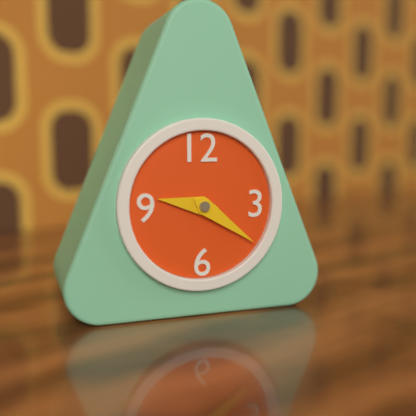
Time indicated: 9:21
